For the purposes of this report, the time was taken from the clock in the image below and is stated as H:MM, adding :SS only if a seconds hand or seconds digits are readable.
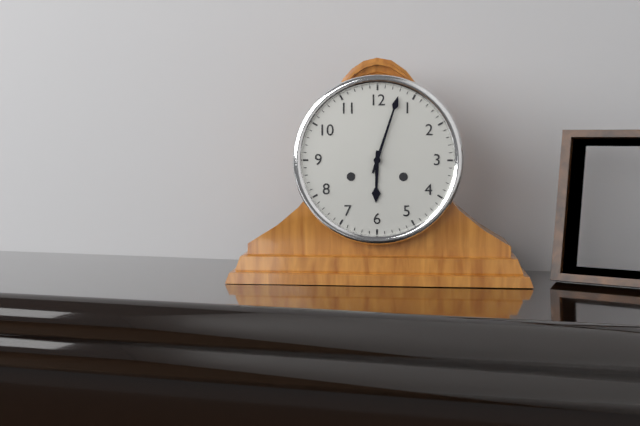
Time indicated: 6:03
